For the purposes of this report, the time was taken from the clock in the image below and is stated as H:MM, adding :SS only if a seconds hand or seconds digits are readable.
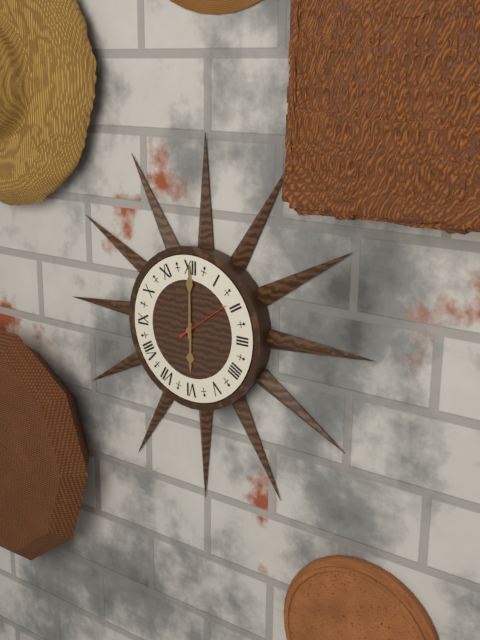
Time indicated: 6:00
